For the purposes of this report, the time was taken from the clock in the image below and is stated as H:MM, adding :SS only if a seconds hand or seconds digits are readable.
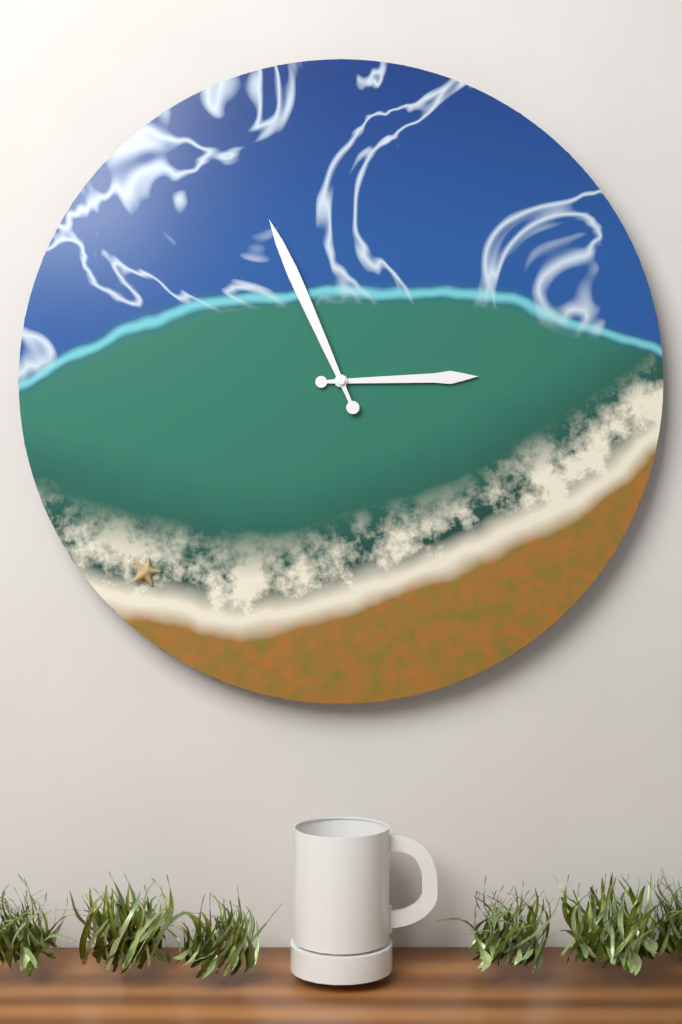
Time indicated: 2:56
